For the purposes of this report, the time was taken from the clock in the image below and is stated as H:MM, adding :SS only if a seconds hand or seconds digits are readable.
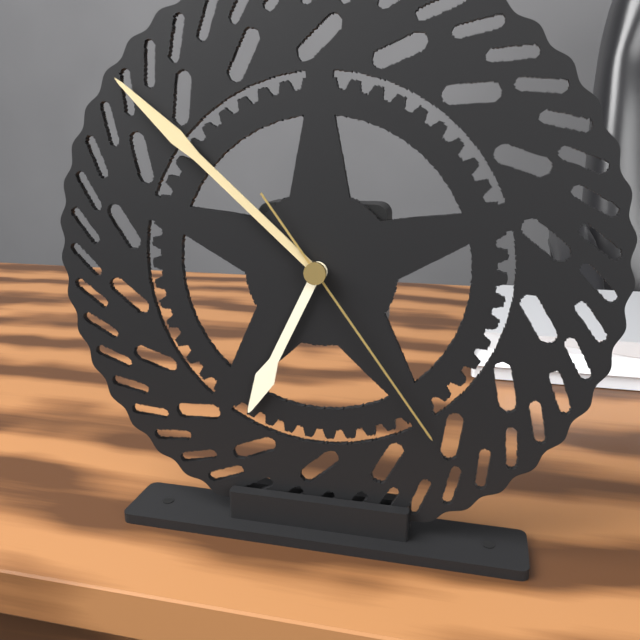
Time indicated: 6:52:24
